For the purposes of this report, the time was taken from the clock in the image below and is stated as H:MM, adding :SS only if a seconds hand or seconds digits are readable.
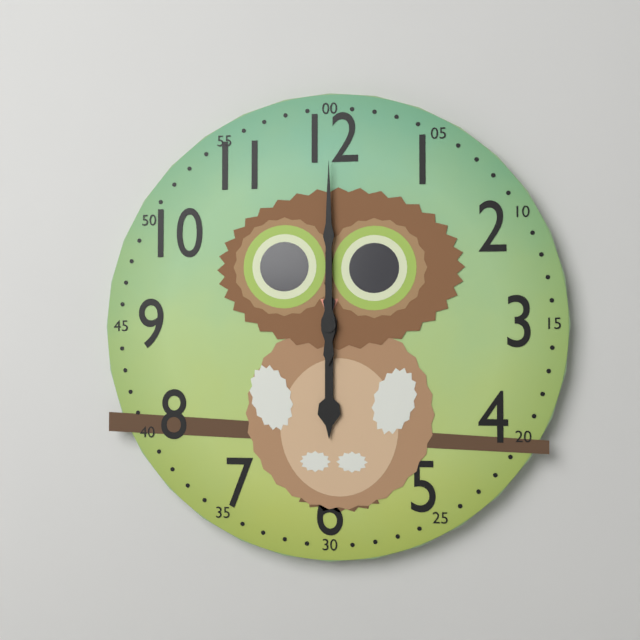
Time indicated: 6:00
